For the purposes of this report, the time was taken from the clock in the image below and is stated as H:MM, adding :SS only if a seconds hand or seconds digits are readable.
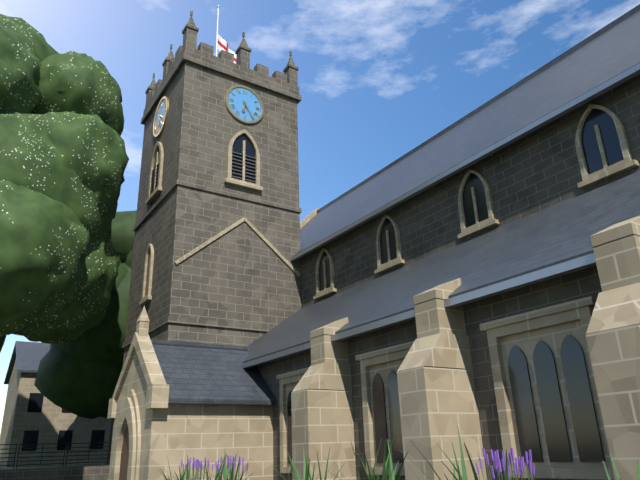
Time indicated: 6:24
